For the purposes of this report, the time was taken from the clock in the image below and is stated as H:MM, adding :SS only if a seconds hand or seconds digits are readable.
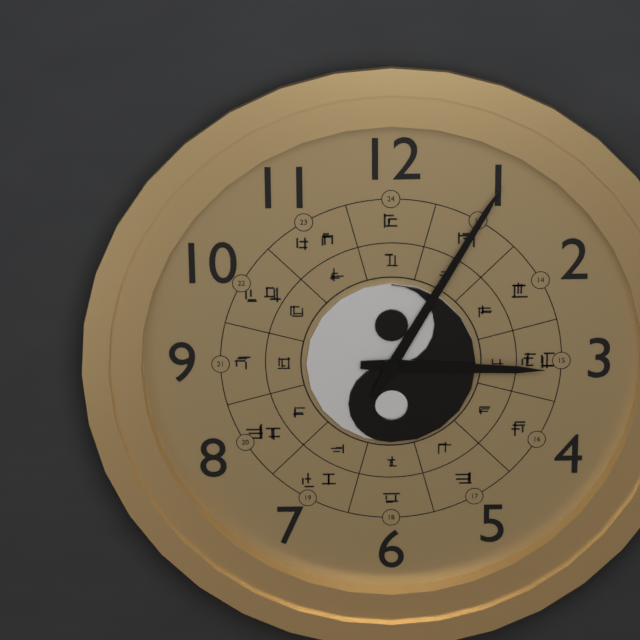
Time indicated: 3:05
